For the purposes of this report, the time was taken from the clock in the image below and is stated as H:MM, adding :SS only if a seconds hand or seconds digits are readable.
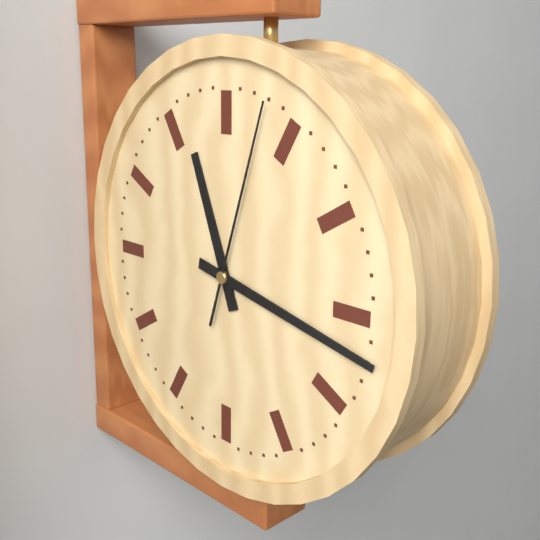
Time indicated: 11:17:03
